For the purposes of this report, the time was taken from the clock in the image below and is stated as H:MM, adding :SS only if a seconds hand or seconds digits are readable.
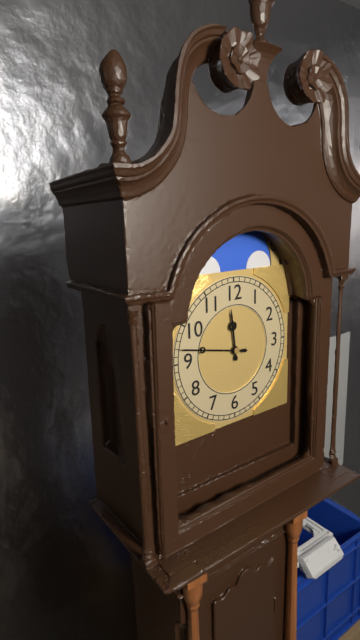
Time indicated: 11:47
